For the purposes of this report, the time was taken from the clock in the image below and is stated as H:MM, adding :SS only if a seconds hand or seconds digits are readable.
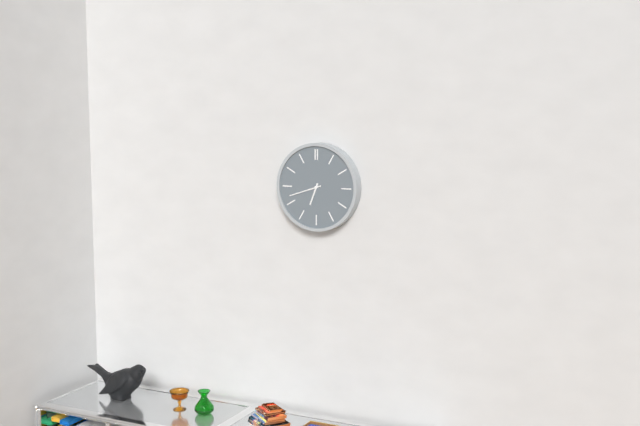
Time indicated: 6:42
